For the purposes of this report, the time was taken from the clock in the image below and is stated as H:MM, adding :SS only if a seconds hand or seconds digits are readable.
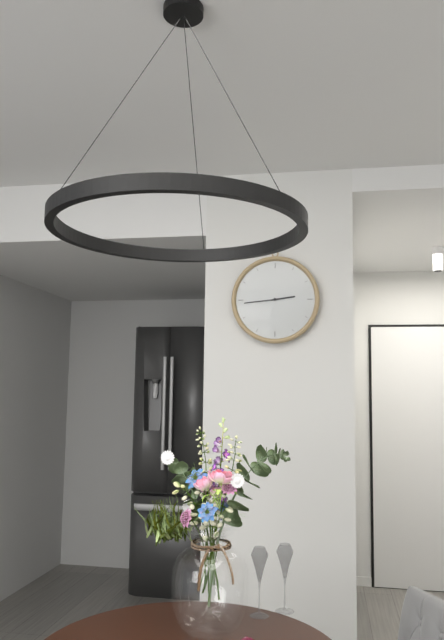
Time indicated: 2:44
